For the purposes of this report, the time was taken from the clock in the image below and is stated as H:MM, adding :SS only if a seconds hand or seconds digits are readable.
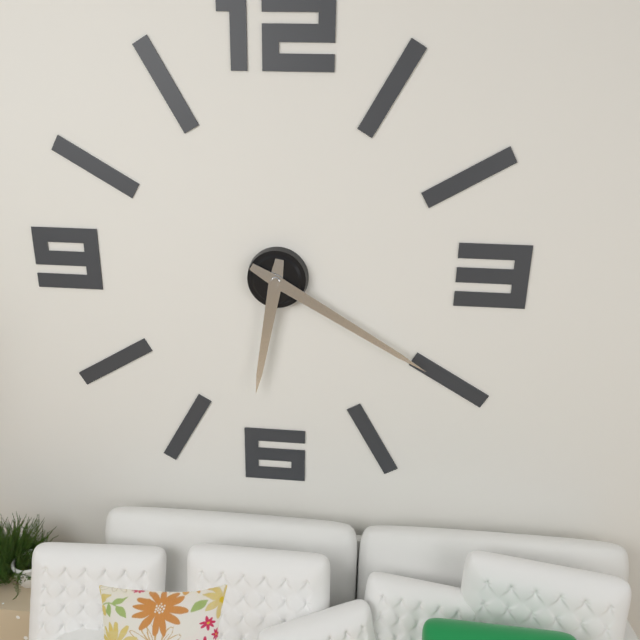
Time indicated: 6:20
